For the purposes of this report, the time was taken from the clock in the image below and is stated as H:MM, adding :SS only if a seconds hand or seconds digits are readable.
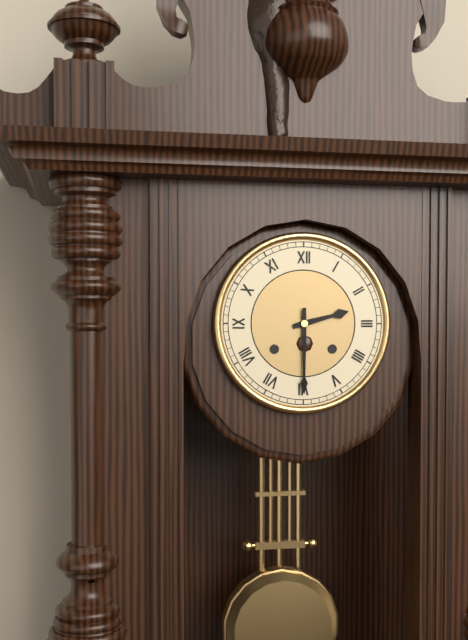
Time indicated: 2:30
